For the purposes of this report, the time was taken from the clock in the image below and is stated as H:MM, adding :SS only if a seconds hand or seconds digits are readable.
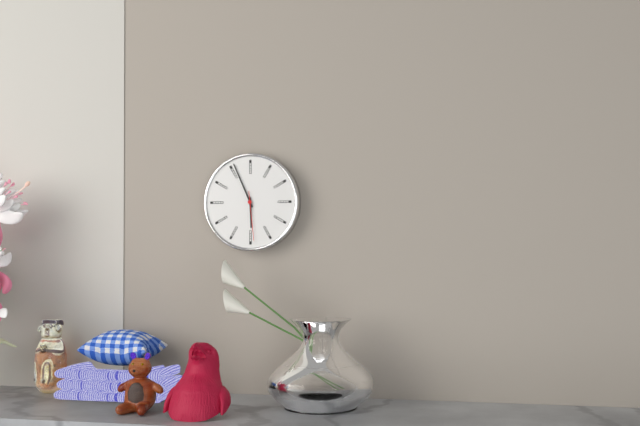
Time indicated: 5:56
